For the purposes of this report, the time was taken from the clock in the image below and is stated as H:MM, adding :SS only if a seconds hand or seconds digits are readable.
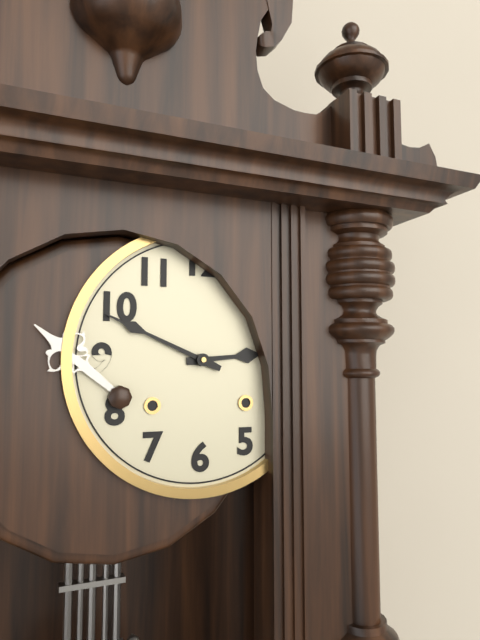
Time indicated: 2:49
